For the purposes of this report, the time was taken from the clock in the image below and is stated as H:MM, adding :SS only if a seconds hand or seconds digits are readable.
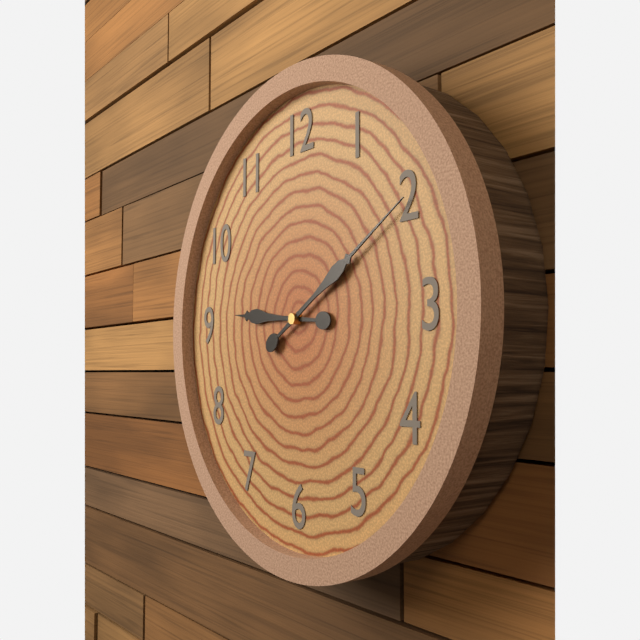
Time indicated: 9:10
